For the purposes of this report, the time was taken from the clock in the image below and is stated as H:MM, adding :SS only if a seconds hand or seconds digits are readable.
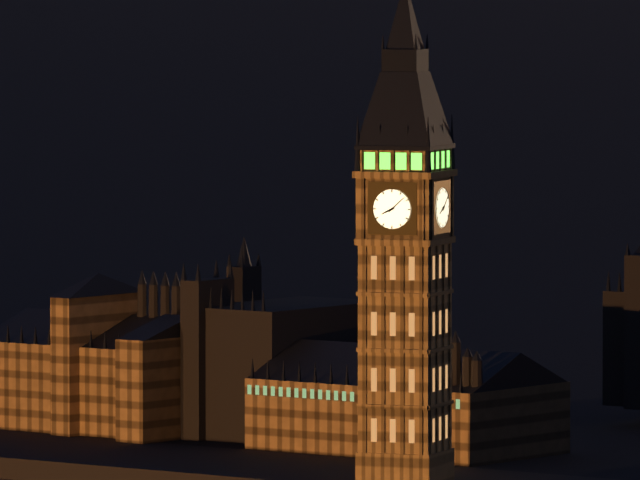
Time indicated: 8:08
